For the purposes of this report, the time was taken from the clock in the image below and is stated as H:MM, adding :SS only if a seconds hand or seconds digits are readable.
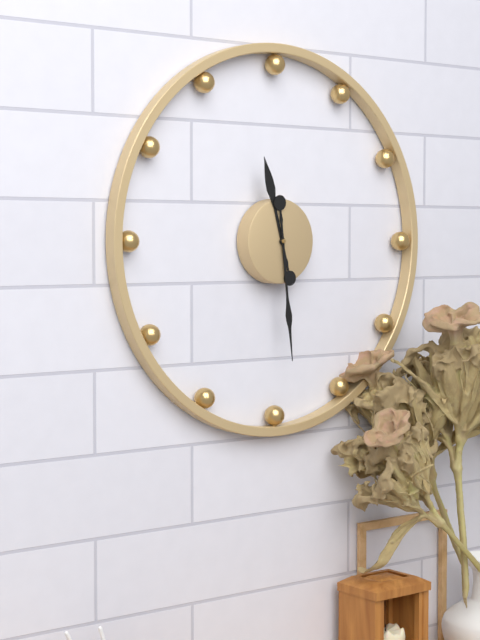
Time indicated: 11:29
